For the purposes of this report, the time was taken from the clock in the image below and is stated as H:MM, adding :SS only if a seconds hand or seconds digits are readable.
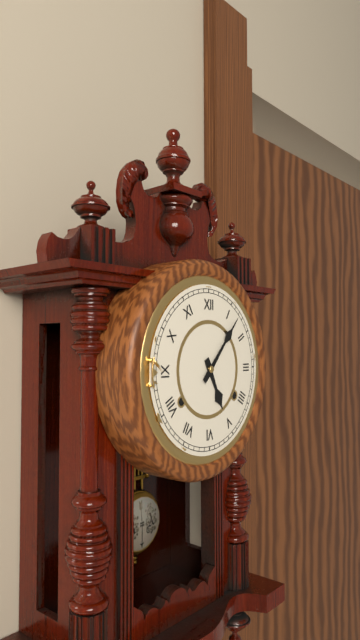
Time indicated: 5:07
